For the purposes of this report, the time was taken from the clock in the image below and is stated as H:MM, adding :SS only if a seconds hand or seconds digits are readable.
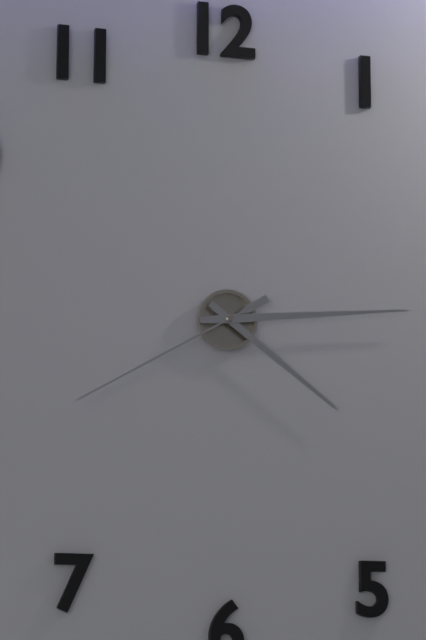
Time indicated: 4:14:40
